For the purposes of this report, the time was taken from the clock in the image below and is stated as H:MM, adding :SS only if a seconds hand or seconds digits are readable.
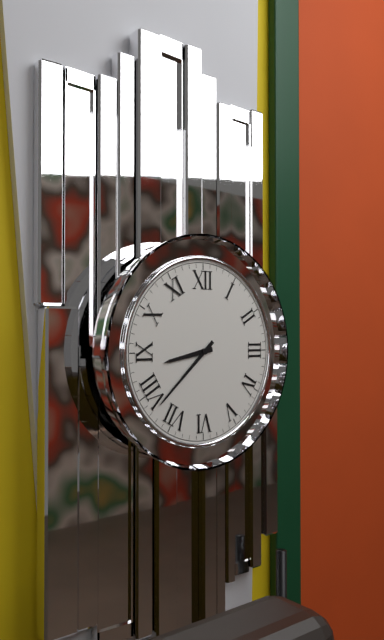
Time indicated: 8:38
